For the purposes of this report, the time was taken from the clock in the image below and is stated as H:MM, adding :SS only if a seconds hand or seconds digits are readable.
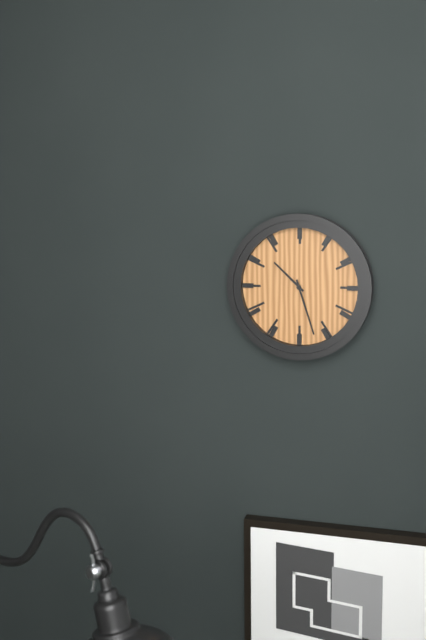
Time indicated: 10:27
